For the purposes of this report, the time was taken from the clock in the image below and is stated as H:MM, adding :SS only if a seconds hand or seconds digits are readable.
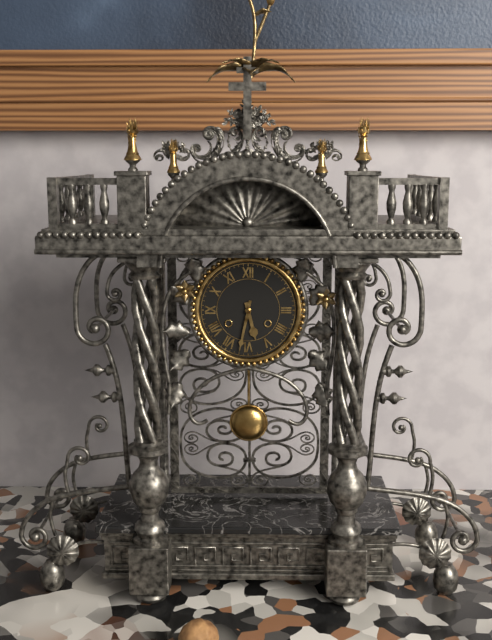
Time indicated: 5:32
